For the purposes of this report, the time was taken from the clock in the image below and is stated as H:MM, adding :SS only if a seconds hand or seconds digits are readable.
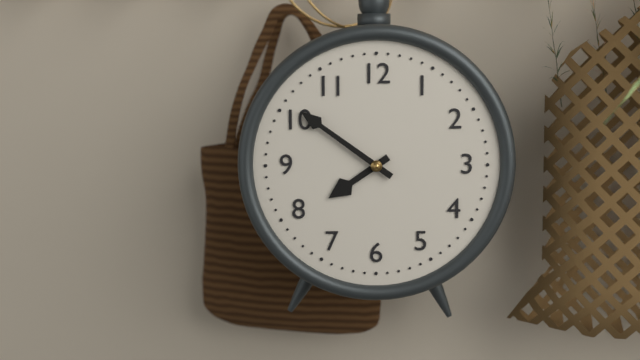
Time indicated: 7:51
